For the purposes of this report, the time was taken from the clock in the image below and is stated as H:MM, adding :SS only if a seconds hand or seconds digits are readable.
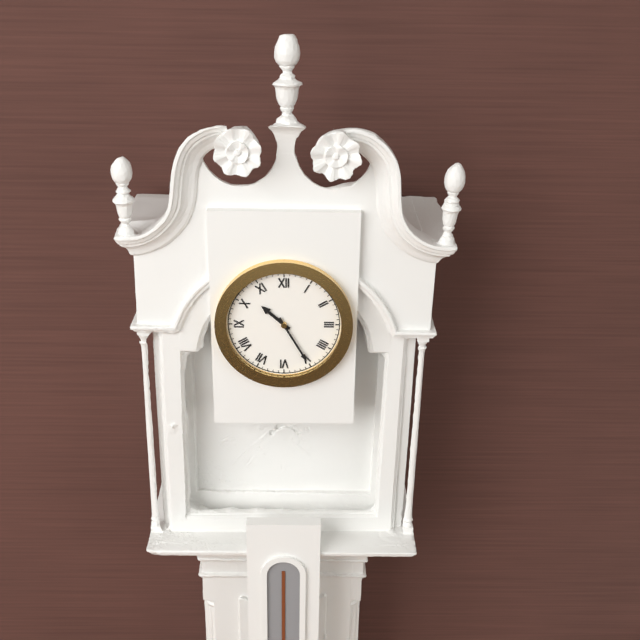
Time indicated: 10:25
